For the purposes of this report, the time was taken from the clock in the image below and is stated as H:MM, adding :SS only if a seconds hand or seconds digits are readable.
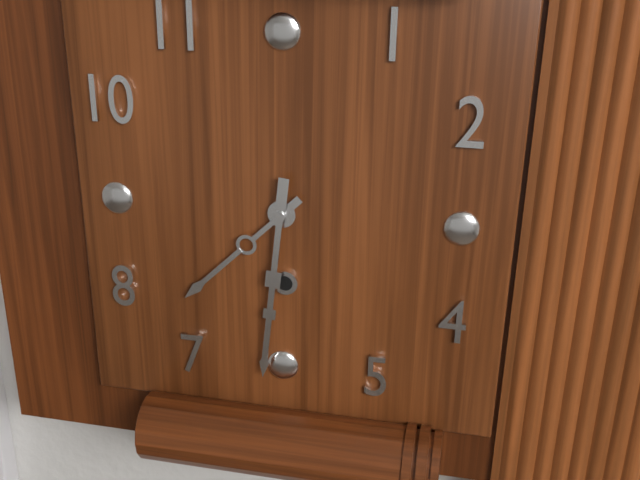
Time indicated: 7:31
